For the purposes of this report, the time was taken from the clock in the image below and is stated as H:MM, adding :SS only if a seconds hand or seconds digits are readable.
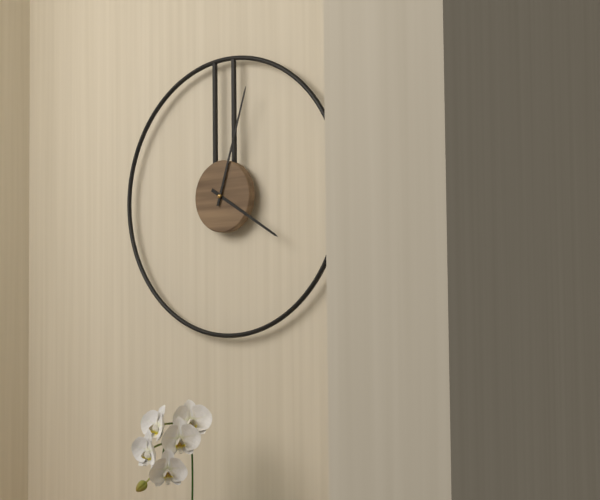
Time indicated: 4:03
